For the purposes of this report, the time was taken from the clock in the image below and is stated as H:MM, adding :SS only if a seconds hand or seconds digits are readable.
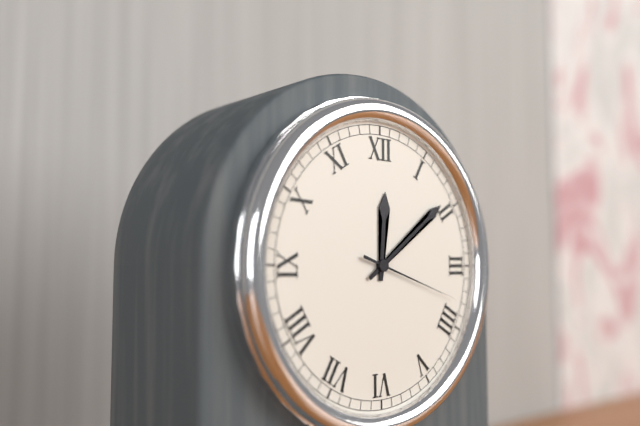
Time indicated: 12:09:18
